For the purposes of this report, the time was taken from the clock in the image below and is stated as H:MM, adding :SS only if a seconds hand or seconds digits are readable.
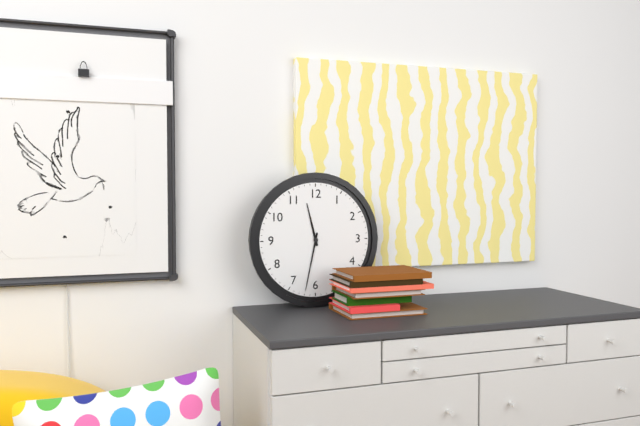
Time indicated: 11:32
